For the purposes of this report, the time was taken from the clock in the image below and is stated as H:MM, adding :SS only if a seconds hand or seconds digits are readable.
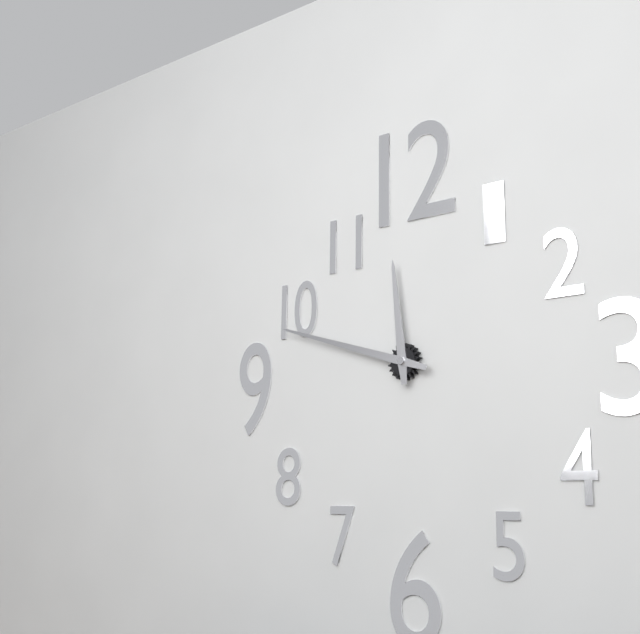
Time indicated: 11:48
